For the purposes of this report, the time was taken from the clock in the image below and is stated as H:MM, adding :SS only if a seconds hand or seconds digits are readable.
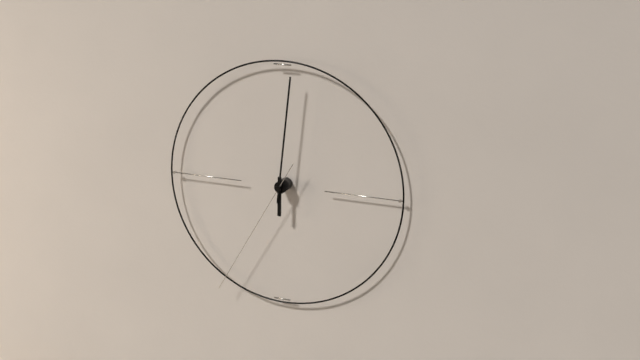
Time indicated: 6:01:35
